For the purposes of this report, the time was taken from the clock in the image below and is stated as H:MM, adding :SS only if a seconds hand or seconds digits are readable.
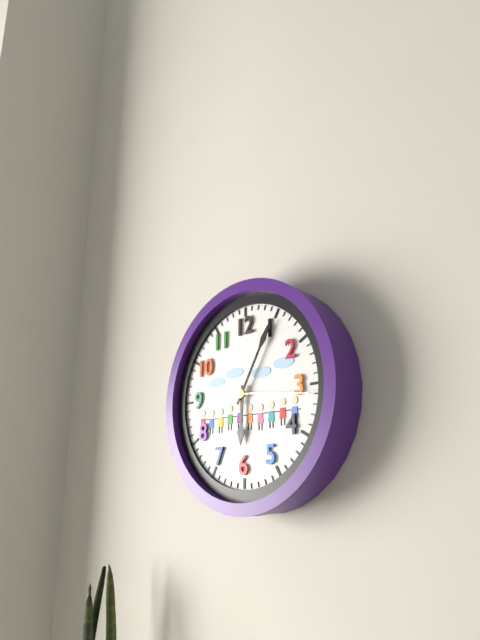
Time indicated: 6:05:16
